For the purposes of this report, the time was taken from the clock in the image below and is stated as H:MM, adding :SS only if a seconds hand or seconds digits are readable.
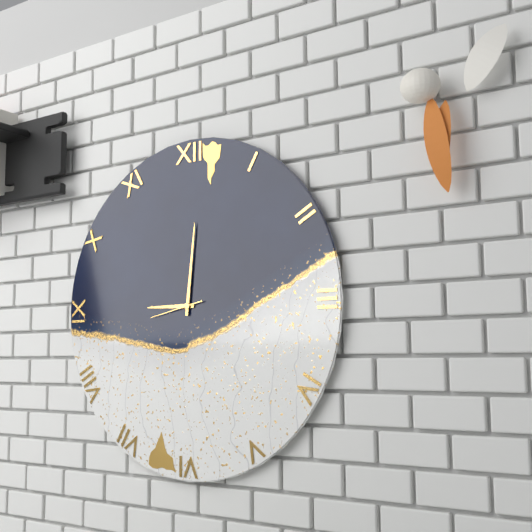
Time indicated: 9:01:43
